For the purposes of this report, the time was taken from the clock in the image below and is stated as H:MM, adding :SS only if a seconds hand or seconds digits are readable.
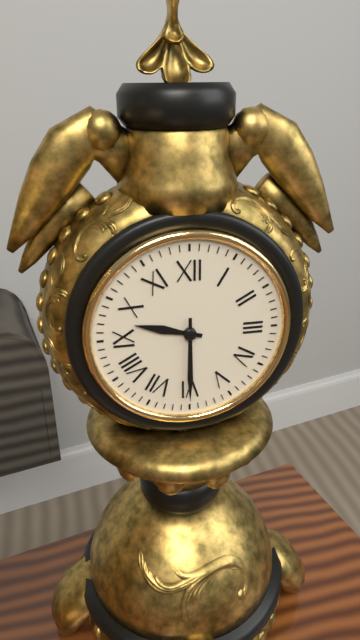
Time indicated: 9:30
